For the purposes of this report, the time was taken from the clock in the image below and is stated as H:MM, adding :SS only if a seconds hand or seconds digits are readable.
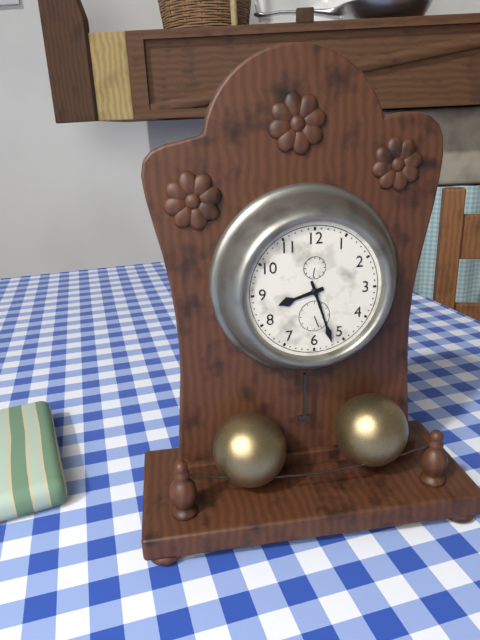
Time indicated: 8:27
